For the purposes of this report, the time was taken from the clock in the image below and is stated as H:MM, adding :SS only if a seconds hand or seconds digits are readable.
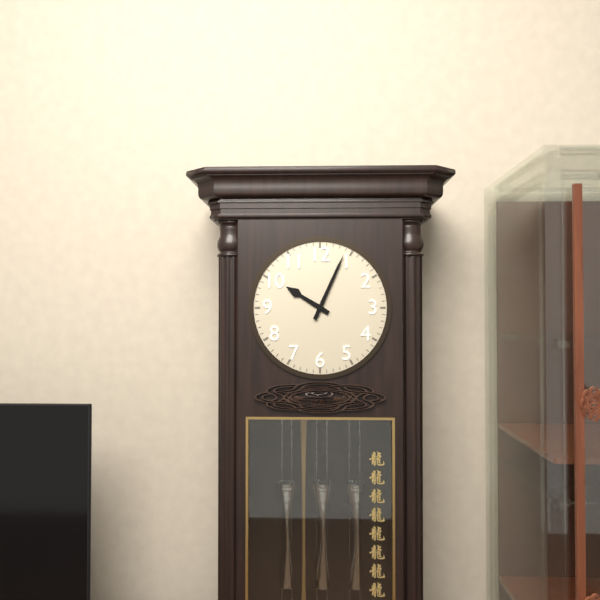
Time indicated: 10:04
